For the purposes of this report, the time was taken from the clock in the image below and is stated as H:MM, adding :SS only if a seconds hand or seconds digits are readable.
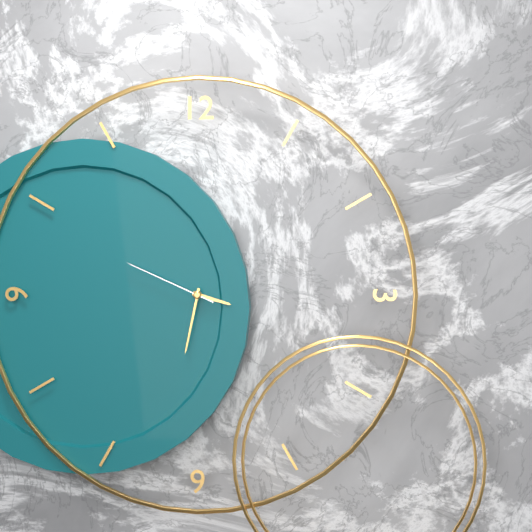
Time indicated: 3:32:49
